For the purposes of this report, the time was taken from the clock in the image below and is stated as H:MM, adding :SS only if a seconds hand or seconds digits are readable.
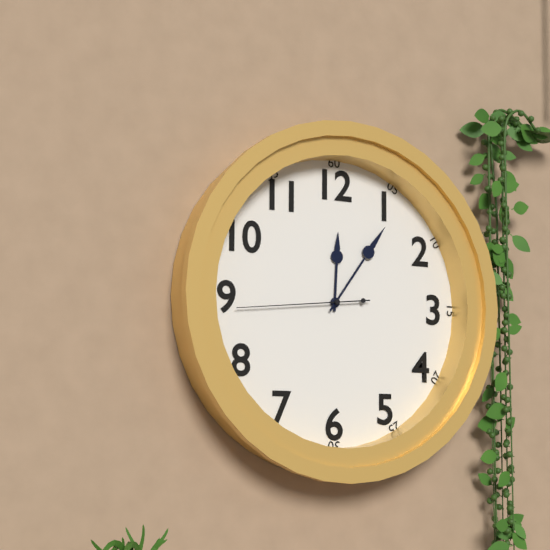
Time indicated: 12:06:44
